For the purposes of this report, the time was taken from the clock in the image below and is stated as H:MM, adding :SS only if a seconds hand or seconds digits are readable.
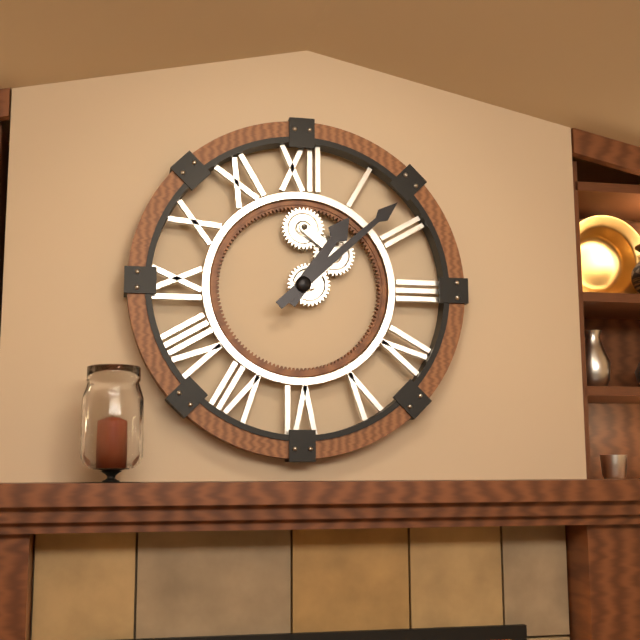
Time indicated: 1:08
